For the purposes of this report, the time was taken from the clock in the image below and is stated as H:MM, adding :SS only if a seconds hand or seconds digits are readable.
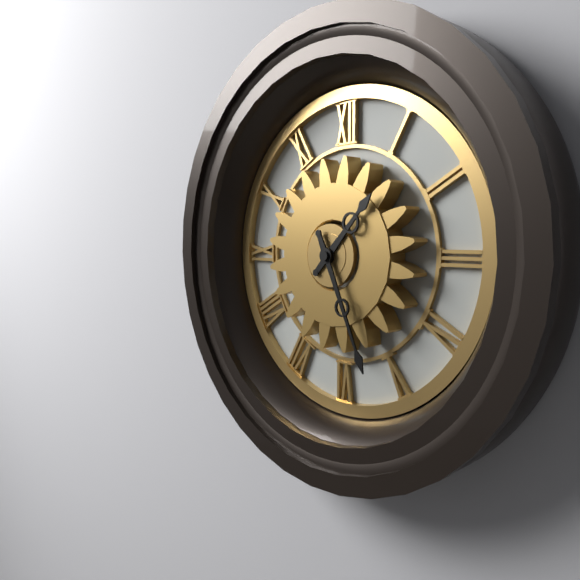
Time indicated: 1:26
